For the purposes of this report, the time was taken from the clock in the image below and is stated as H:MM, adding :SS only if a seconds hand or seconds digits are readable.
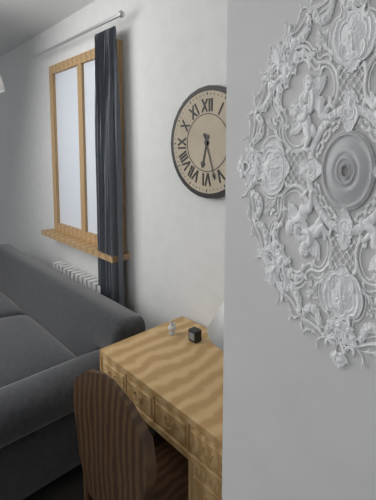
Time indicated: 6:27
